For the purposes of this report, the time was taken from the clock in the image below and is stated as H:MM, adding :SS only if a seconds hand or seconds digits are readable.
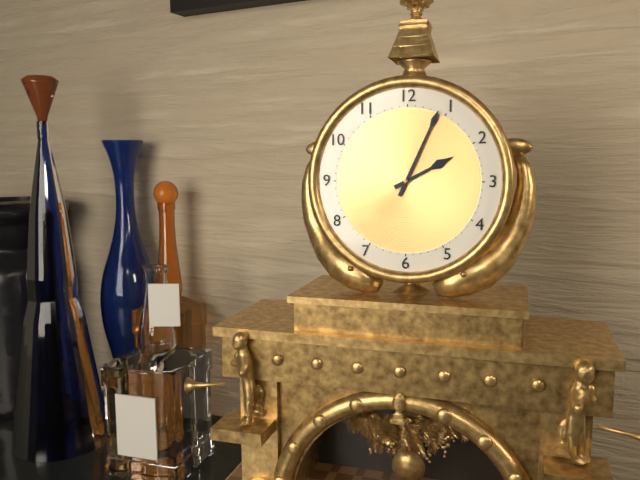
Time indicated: 2:04
